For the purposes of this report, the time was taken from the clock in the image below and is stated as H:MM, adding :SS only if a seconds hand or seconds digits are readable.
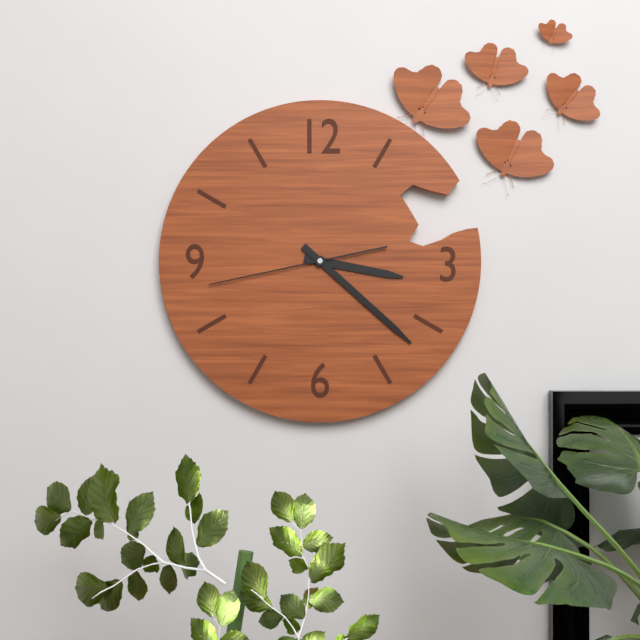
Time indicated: 3:22:43
